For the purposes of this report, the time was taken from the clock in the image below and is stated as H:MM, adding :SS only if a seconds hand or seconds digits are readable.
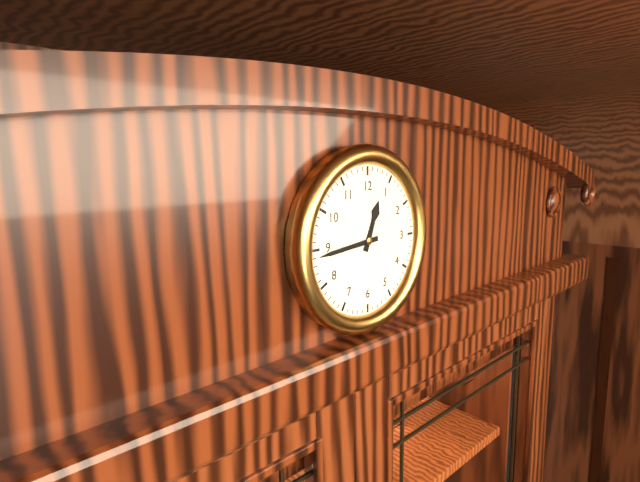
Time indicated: 12:44
